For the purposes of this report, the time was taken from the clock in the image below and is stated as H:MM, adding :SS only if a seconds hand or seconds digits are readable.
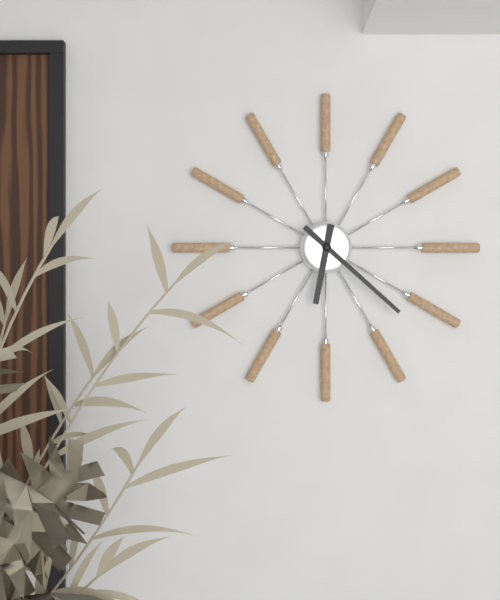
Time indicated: 6:22
